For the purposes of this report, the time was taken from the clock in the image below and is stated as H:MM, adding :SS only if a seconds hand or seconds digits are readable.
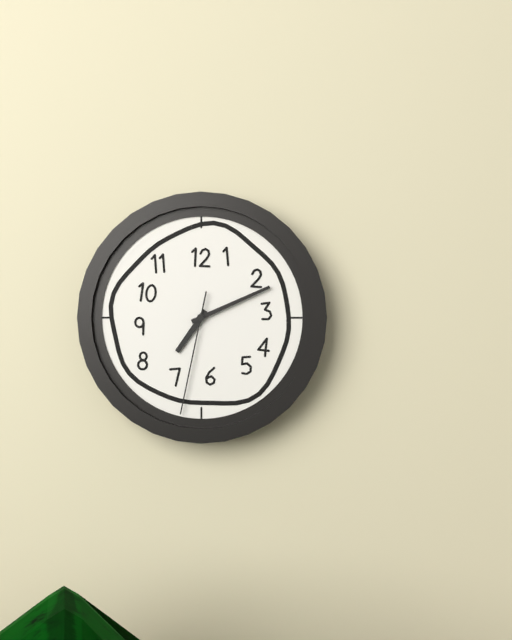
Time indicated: 7:11:32
